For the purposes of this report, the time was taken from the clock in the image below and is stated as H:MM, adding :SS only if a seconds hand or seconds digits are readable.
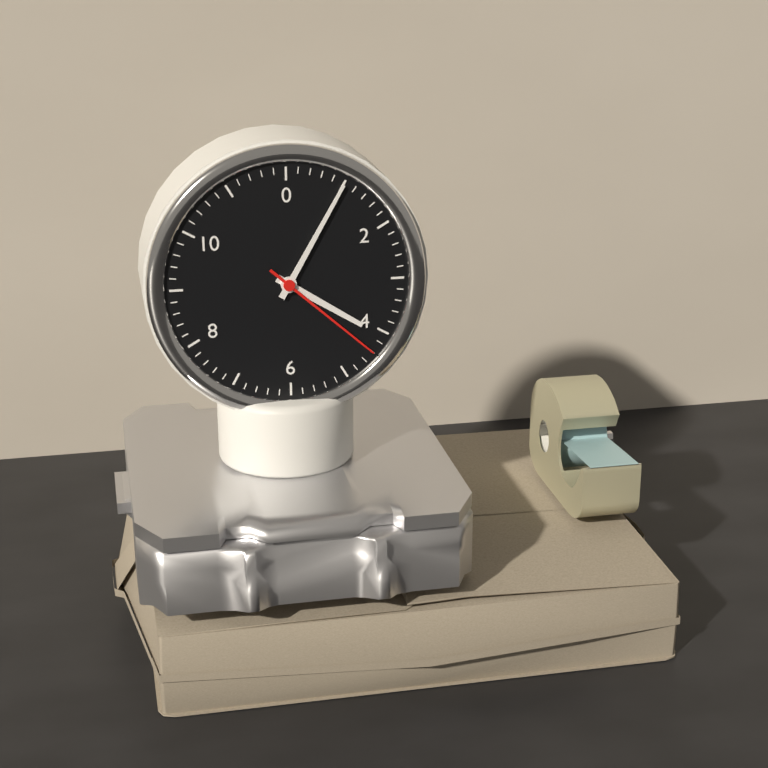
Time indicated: 4:05:22
